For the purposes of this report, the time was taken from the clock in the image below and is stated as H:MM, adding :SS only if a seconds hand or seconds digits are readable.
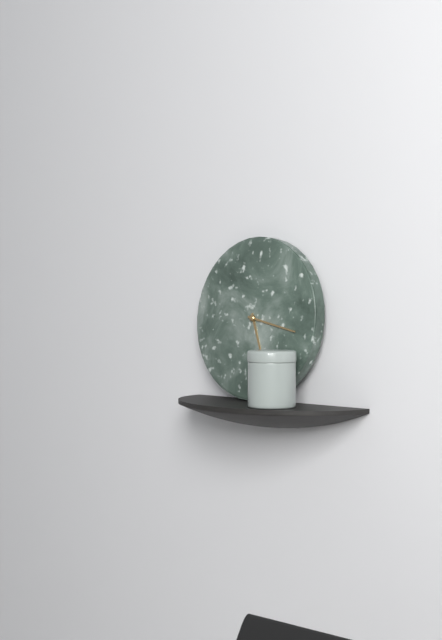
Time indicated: 5:17
